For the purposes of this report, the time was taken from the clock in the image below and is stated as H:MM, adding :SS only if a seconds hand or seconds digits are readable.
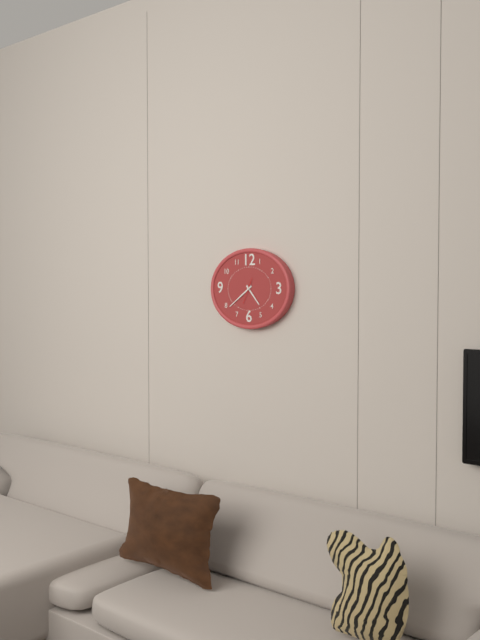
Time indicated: 4:39
